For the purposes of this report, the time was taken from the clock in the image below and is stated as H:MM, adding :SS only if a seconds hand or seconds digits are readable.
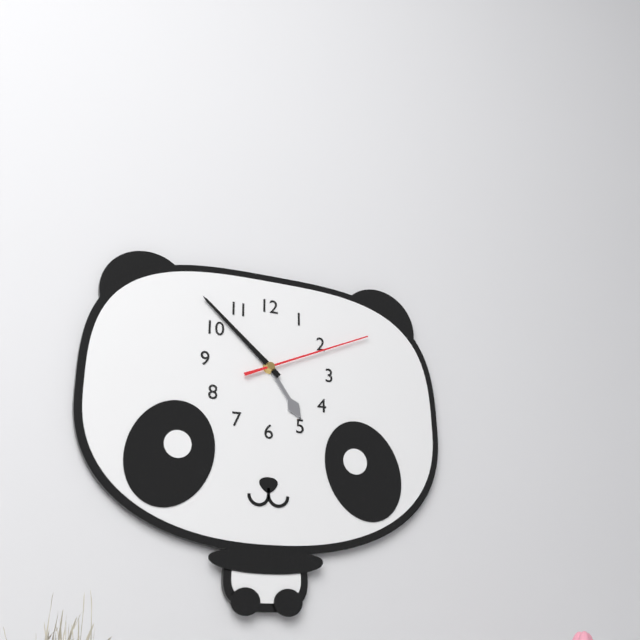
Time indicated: 4:52:11
